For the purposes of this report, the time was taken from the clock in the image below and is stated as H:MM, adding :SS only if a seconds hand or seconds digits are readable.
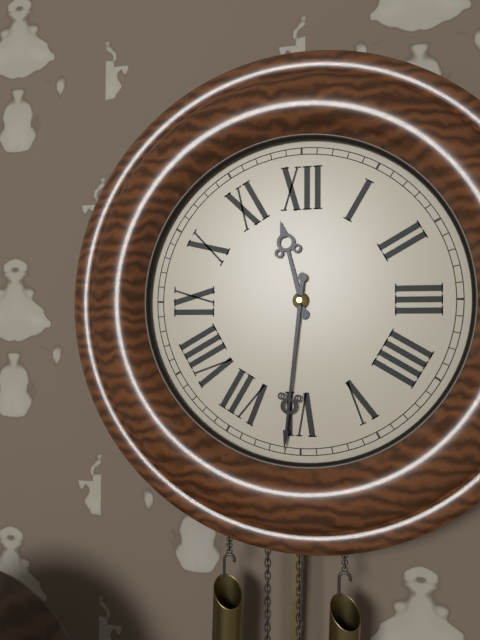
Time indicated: 11:31
